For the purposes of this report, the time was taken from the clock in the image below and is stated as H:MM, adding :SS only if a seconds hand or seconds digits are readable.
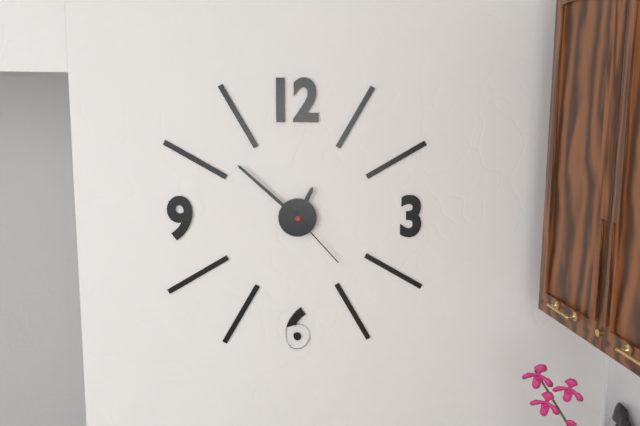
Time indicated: 12:52:23
